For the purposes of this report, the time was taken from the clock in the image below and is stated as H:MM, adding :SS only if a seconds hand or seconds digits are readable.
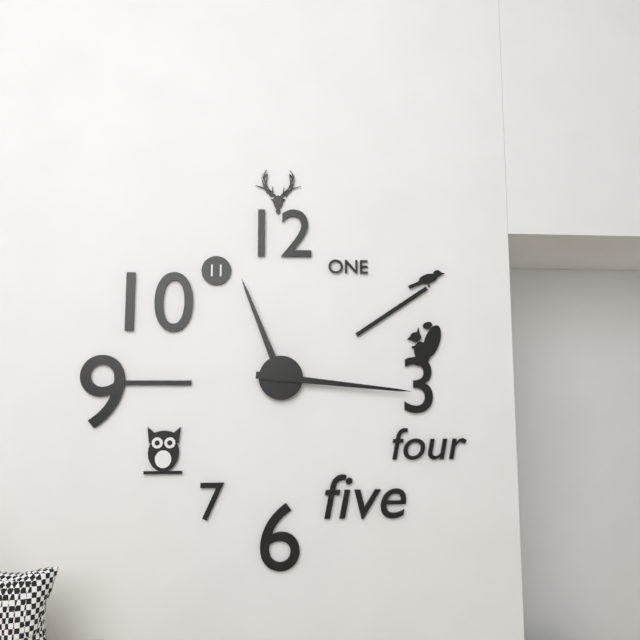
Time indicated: 11:16
